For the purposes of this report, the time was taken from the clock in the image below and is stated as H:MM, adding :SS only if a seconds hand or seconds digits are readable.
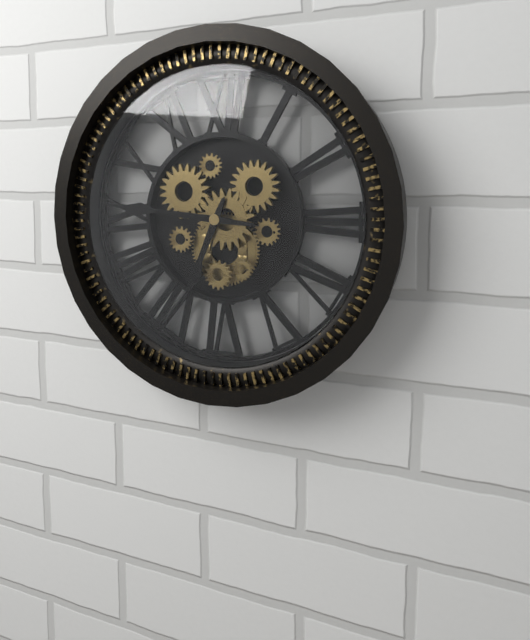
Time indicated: 6:46
